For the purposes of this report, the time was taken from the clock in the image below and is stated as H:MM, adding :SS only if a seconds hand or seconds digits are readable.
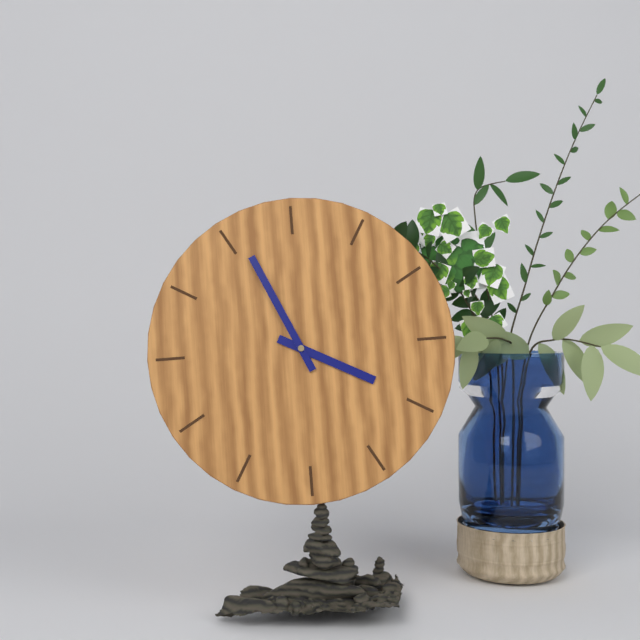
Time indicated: 3:56
